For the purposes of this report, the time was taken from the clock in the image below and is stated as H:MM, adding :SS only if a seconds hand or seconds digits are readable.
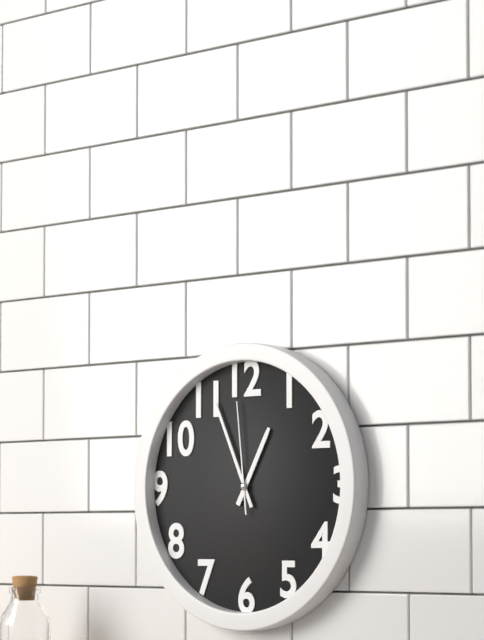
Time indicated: 12:56:59
